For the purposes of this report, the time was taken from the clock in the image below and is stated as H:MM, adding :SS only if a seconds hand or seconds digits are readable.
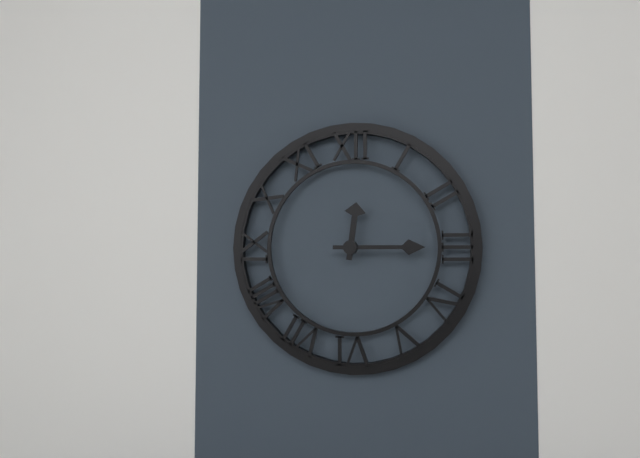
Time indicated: 12:15
